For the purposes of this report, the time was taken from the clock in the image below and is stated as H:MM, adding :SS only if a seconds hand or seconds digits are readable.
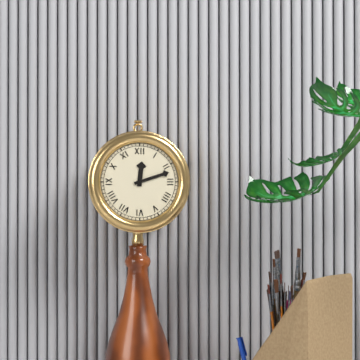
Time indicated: 12:12
